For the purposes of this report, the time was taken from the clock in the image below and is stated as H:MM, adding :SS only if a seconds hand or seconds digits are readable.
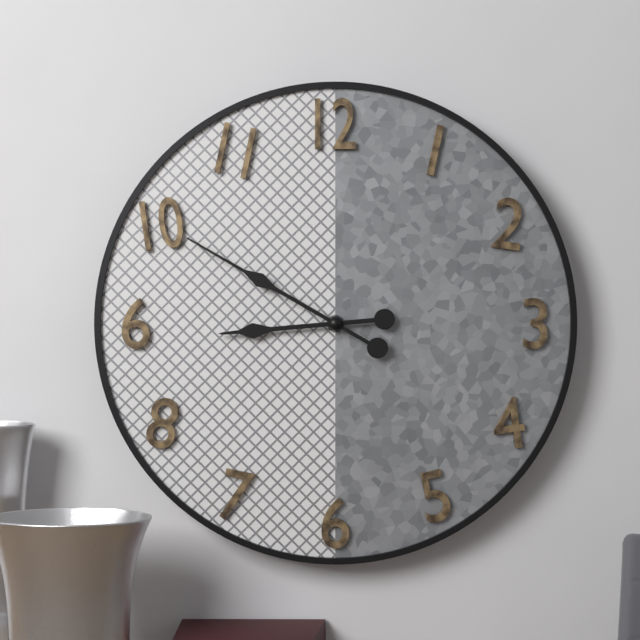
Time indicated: 8:50
